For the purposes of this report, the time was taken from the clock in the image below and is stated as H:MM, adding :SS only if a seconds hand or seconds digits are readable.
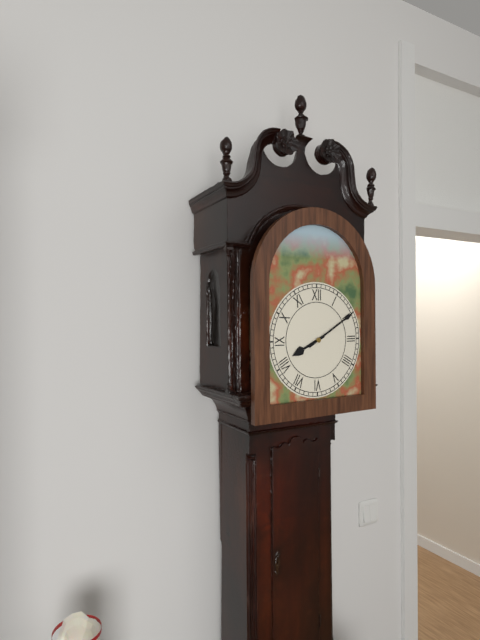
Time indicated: 8:10
